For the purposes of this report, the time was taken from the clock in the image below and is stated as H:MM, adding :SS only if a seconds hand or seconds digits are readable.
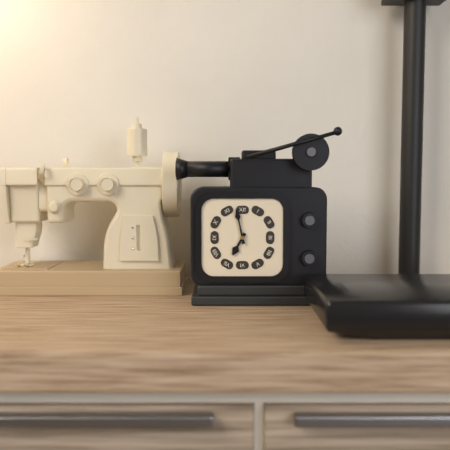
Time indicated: 6:58
